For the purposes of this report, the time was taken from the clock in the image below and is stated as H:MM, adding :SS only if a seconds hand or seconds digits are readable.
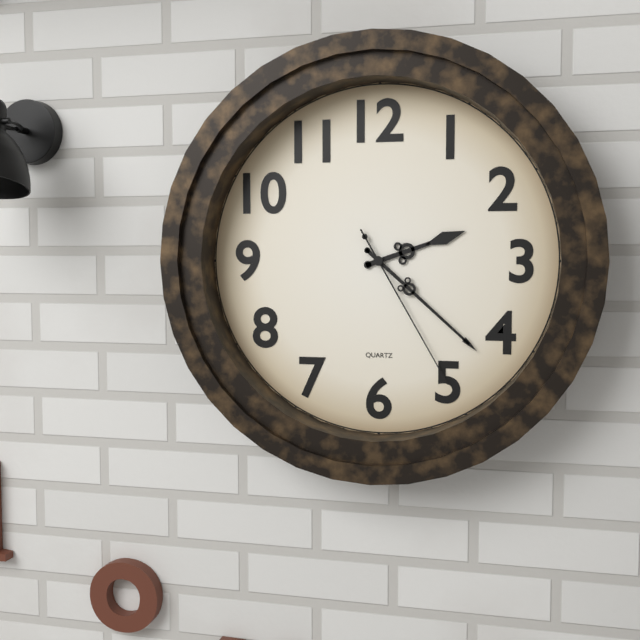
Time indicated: 2:22:25
